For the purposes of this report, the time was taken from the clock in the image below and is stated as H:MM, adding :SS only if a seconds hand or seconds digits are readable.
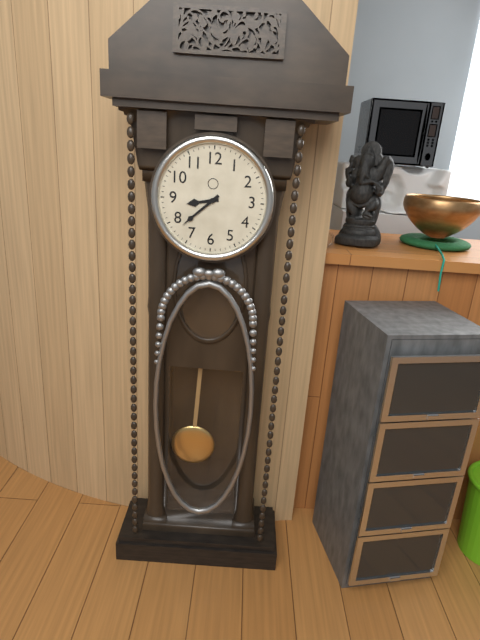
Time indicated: 8:38
